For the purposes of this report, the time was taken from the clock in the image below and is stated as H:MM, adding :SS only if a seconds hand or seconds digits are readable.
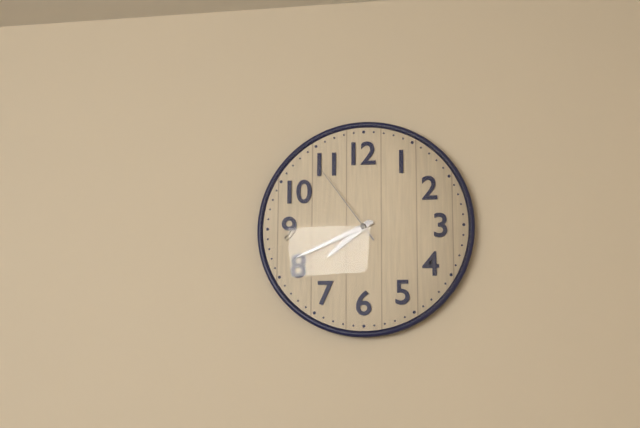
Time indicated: 7:41:54
